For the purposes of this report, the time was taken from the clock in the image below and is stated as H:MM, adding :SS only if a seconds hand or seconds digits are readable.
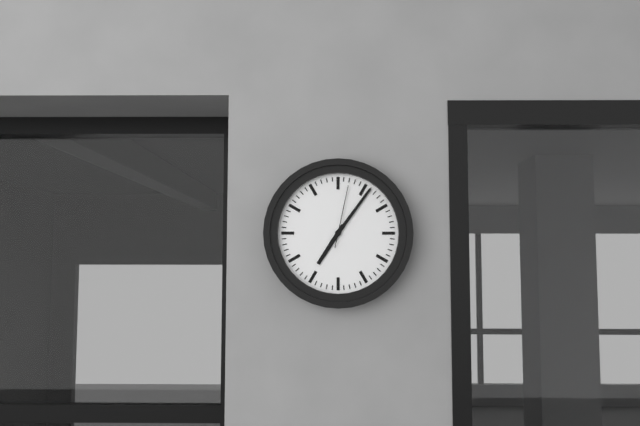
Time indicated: 7:06:02
